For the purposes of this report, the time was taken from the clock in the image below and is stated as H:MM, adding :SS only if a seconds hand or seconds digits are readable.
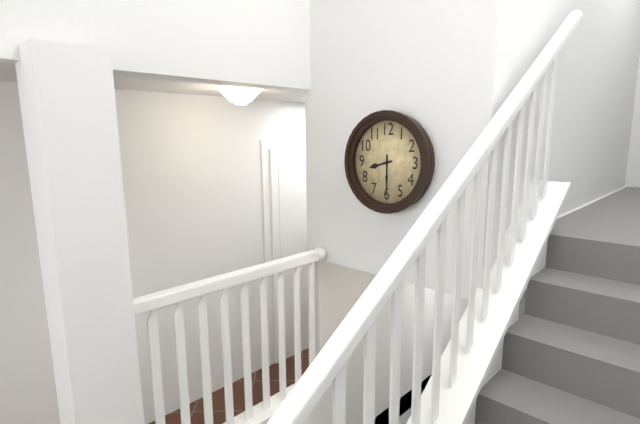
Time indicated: 8:30
